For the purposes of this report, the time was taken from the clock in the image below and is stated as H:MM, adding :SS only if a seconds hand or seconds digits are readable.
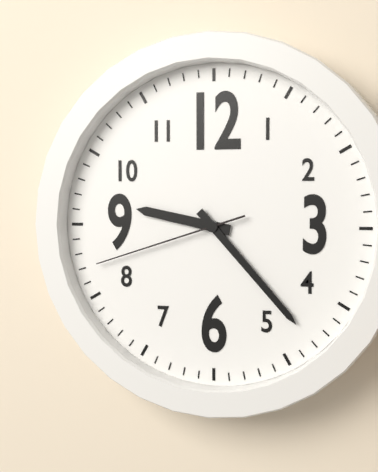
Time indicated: 9:23:42
